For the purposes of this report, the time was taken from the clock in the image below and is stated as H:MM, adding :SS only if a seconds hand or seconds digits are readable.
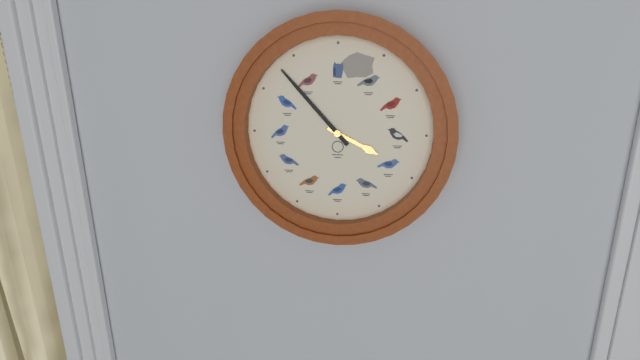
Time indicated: 3:53
